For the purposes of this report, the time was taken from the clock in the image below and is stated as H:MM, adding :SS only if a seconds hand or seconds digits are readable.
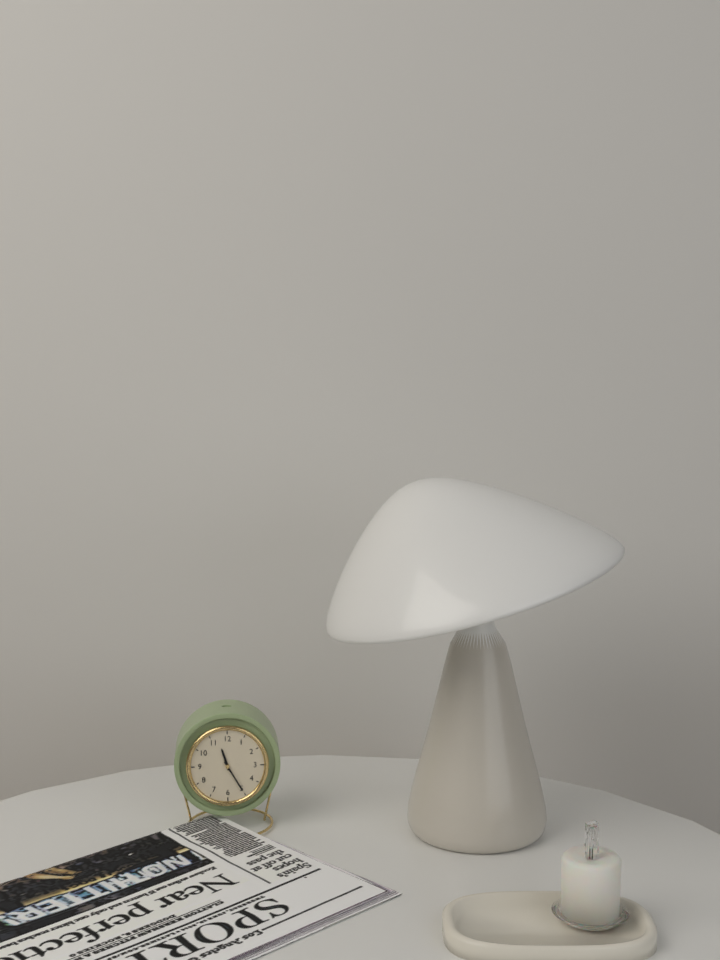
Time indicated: 11:25
